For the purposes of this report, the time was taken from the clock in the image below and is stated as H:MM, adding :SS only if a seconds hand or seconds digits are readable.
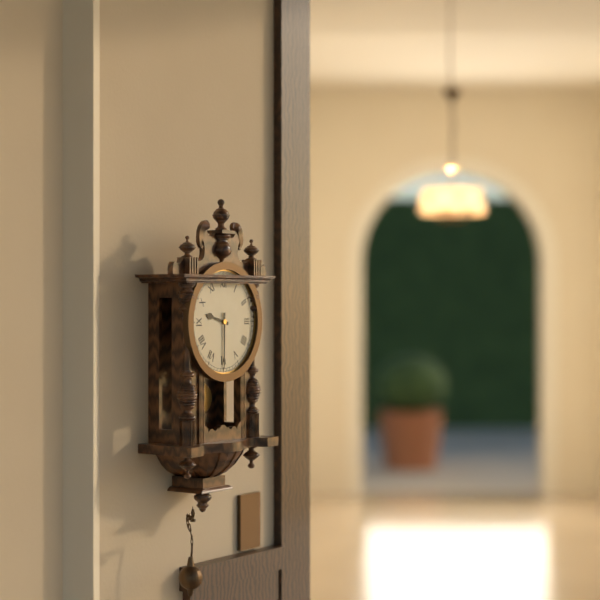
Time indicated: 9:30
